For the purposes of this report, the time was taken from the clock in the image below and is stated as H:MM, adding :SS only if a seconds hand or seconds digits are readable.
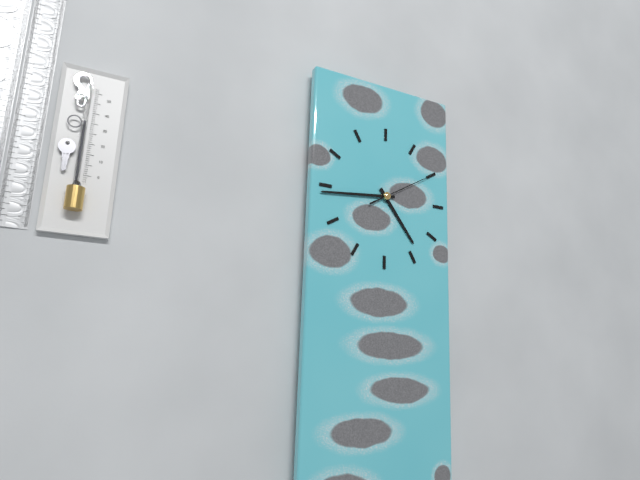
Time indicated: 4:44:10
